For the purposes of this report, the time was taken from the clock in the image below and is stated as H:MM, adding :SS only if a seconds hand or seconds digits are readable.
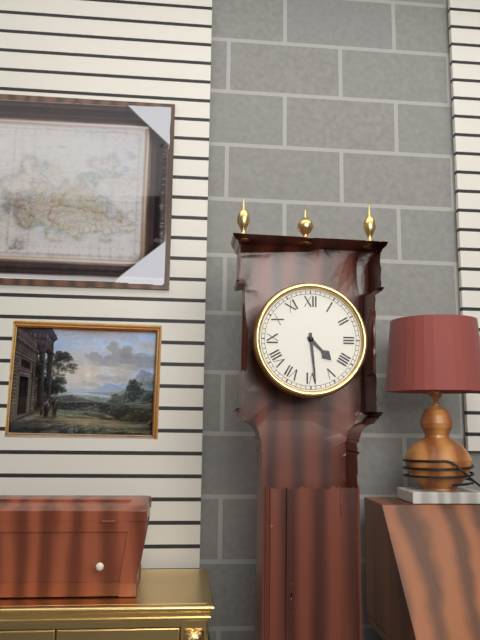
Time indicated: 4:29
